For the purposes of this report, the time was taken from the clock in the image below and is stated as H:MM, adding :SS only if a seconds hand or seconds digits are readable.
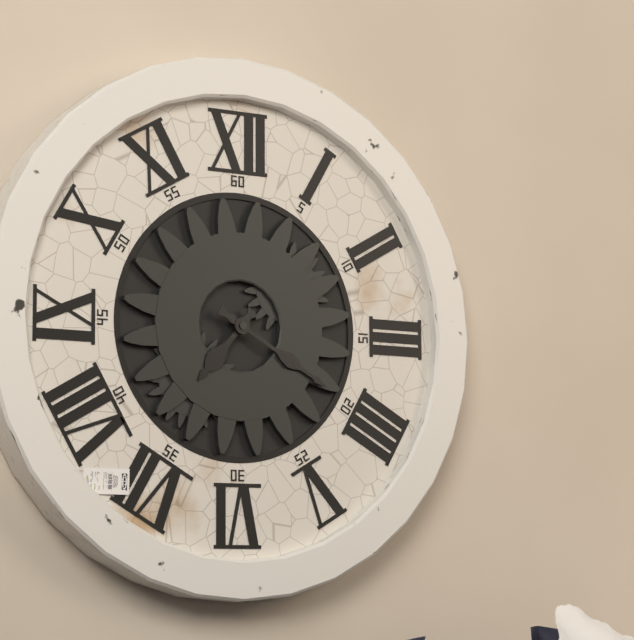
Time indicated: 7:20
